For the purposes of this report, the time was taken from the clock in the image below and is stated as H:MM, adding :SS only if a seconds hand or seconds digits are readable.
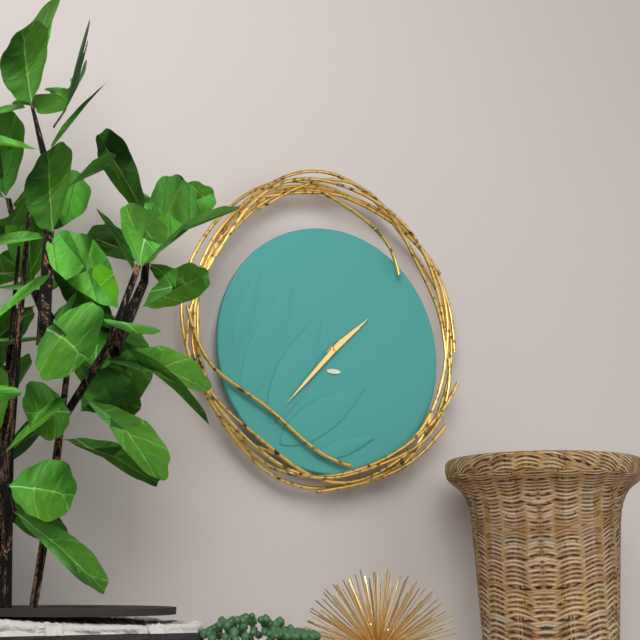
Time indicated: 1:37
